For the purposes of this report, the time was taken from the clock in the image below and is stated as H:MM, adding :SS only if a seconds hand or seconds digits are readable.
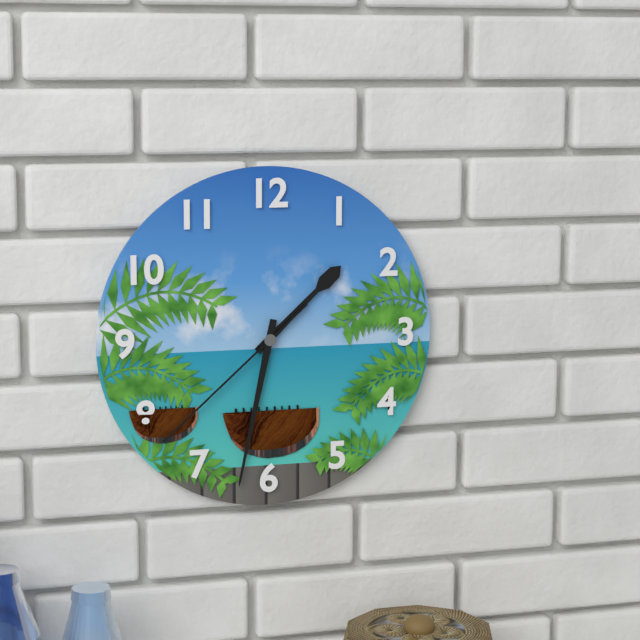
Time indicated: 1:32:38
